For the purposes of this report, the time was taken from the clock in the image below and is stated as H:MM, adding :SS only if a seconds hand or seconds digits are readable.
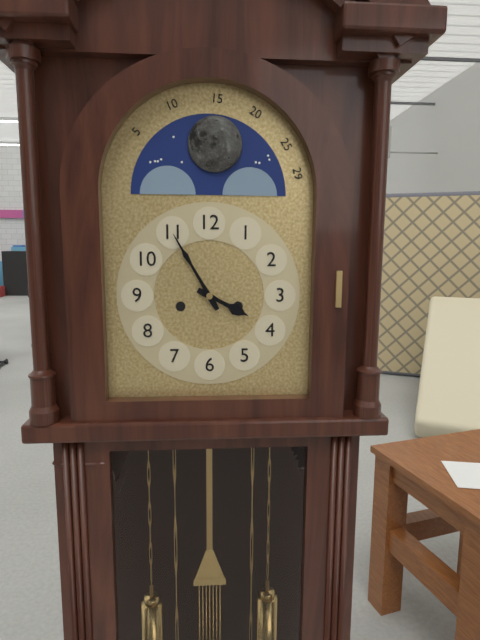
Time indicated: 3:55
